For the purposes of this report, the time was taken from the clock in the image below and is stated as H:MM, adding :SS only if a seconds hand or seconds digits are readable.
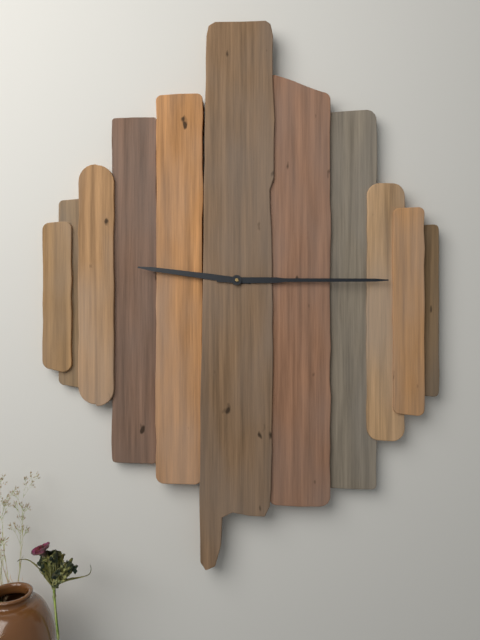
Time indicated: 9:15
